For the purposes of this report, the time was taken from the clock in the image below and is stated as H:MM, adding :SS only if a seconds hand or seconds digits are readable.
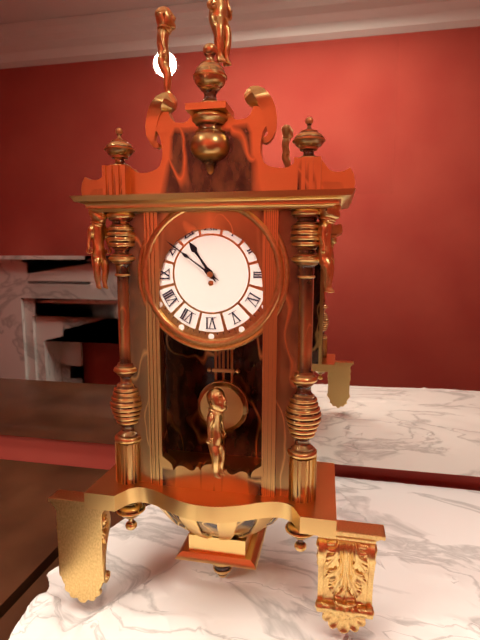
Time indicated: 10:51
